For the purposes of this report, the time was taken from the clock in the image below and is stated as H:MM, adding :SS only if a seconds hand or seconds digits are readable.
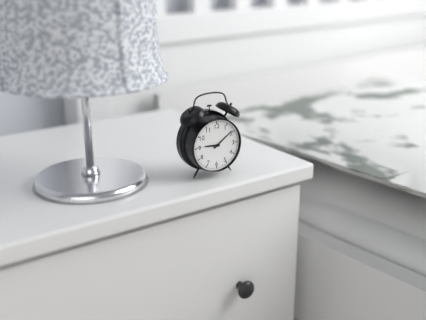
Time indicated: 9:09
